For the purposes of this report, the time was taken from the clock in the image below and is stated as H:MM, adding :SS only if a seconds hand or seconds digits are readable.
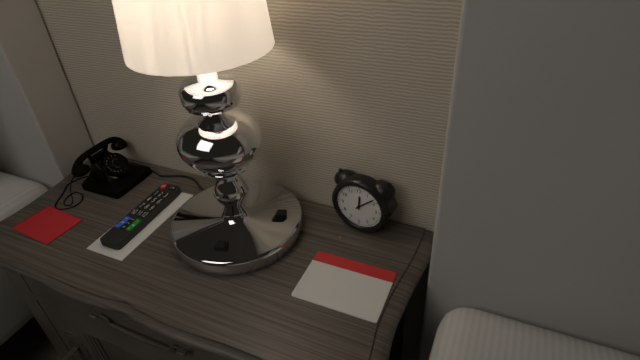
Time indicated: 12:08
